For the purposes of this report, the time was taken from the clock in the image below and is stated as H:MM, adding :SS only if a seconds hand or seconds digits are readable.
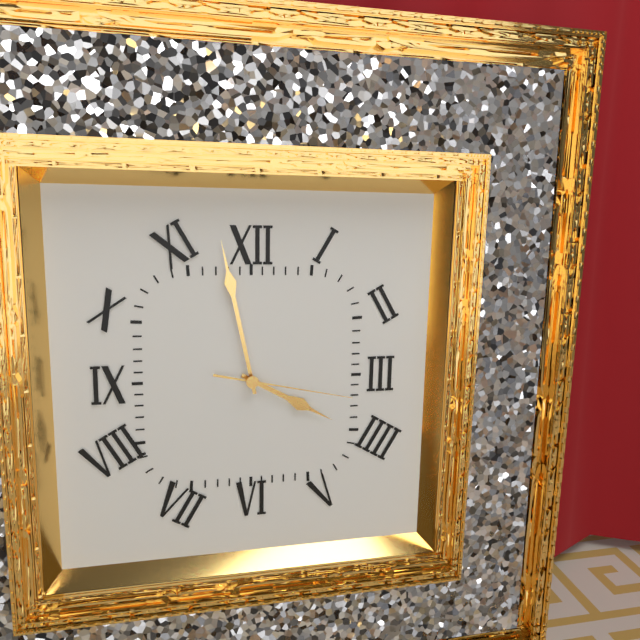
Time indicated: 3:58:17
